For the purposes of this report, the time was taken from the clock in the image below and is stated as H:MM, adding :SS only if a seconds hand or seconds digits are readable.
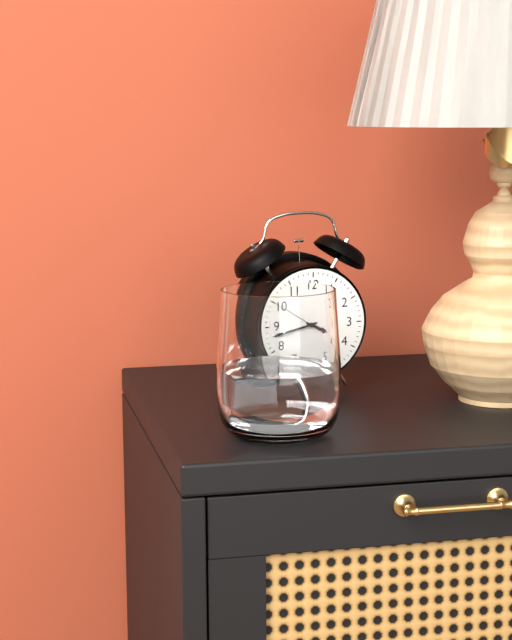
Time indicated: 3:43:50
